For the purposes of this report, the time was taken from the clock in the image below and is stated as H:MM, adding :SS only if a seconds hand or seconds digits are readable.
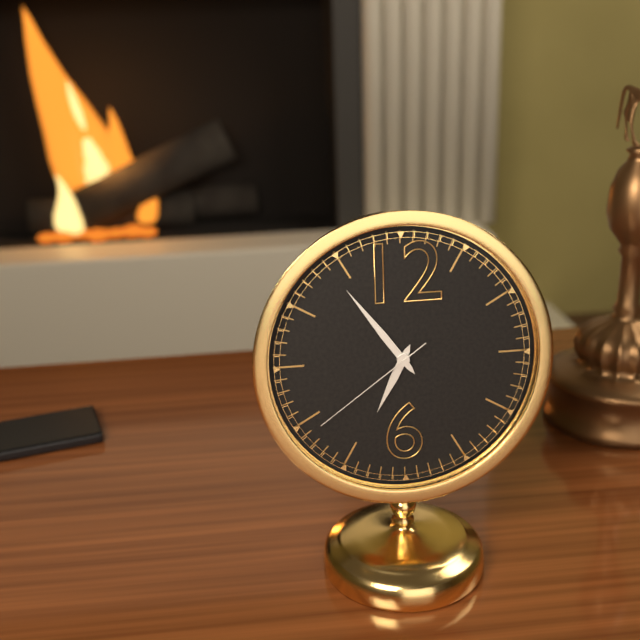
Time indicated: 6:54:39
